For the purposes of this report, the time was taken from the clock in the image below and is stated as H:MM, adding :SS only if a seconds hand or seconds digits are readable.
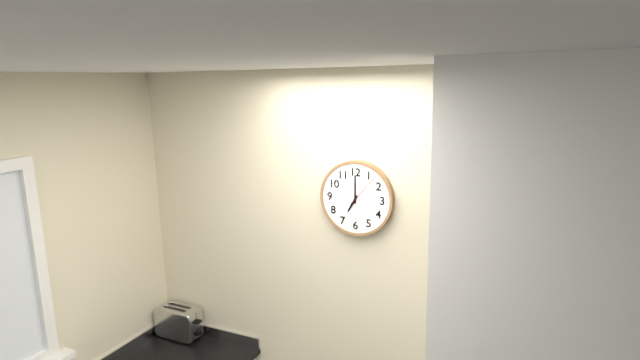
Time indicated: 7:00
